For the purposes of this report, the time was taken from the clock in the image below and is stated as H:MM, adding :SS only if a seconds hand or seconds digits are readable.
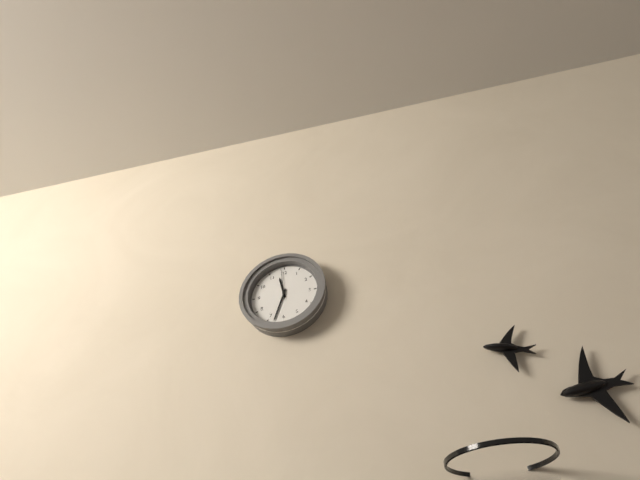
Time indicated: 11:33
